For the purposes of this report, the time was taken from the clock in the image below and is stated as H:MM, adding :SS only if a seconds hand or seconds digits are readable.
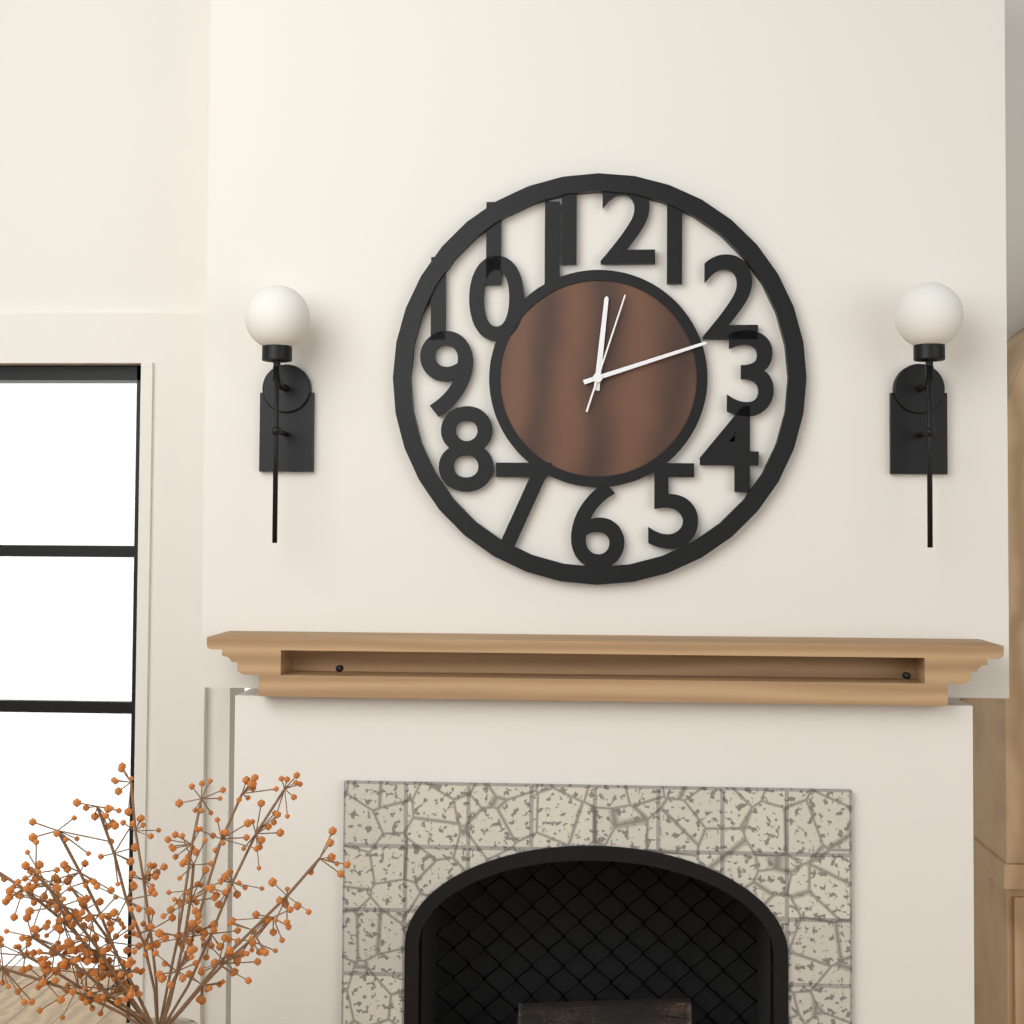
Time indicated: 12:12:03
